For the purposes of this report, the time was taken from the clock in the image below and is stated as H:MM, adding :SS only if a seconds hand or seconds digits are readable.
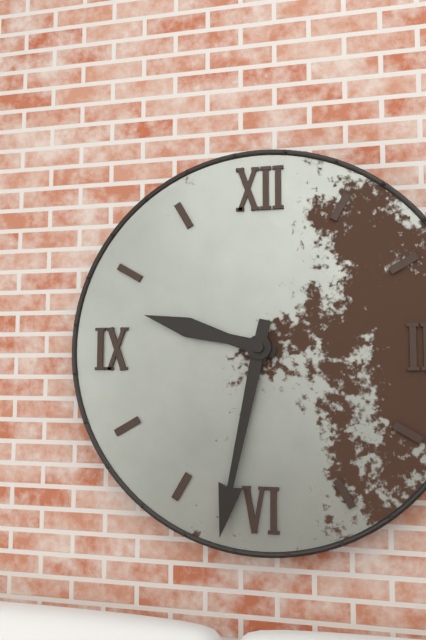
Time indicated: 9:32
